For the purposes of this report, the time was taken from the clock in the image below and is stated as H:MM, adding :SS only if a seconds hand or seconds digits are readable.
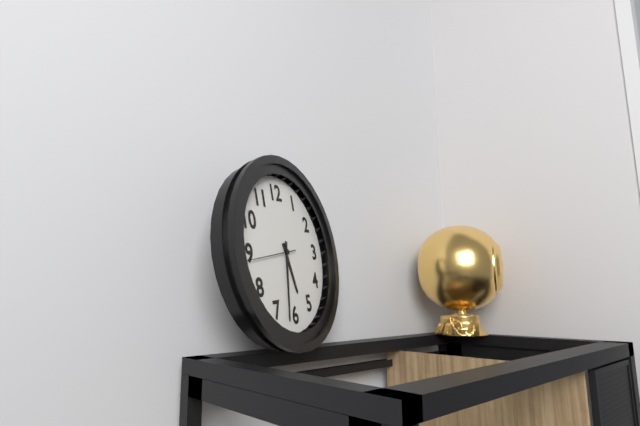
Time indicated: 5:32:44
